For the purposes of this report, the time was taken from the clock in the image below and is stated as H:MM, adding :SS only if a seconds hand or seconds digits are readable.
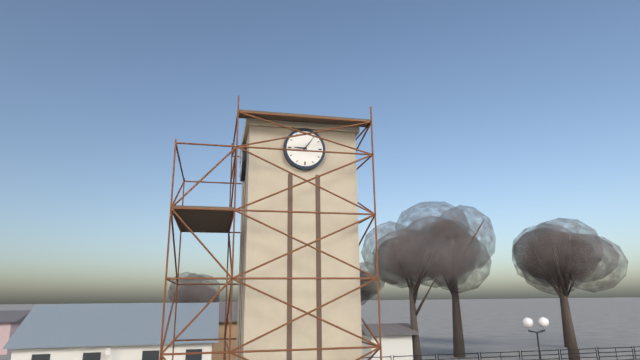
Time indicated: 9:06
